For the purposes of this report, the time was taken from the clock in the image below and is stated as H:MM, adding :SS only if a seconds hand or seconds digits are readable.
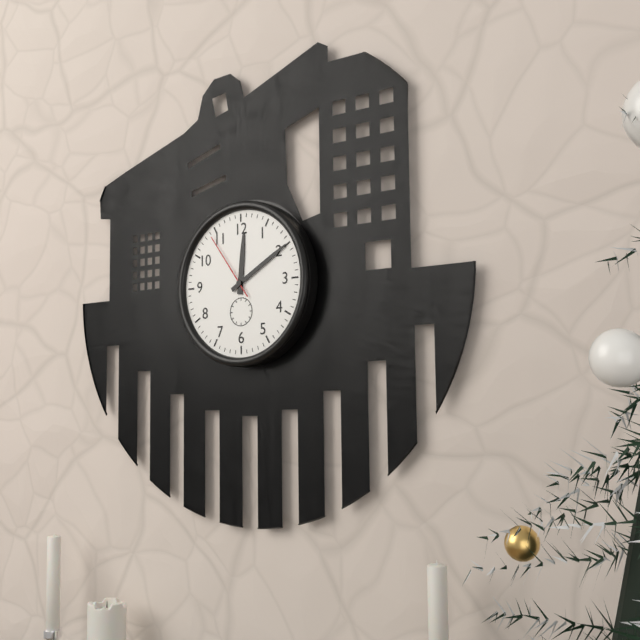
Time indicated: 12:10:54
